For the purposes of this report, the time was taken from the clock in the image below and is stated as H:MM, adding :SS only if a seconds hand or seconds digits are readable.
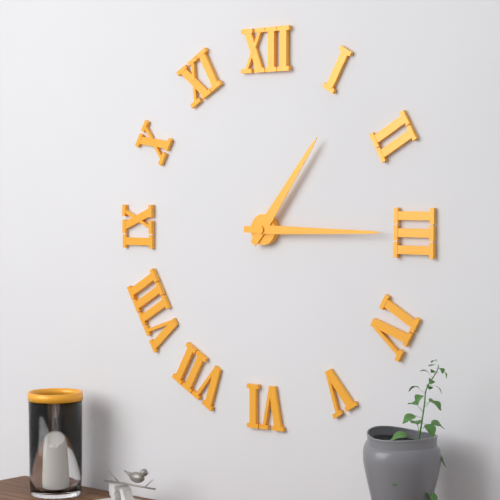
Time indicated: 1:15
